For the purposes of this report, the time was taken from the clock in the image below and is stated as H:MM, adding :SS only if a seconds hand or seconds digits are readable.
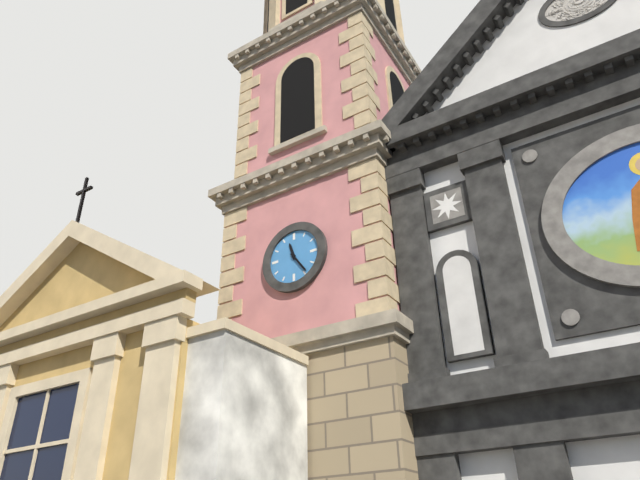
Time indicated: 11:24
